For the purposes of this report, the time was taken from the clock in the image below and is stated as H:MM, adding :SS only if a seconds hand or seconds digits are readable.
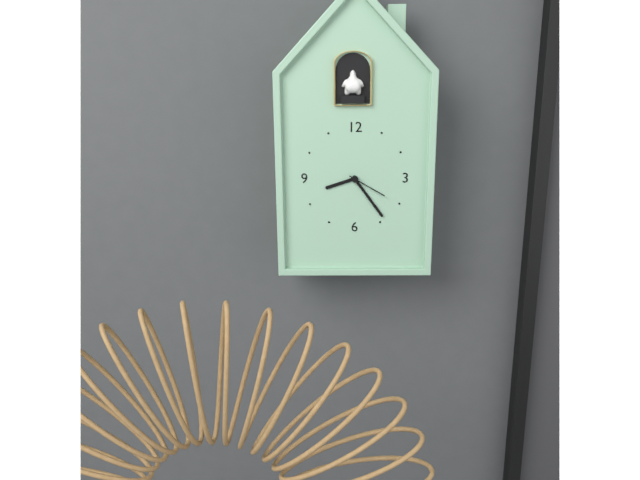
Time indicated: 8:24
